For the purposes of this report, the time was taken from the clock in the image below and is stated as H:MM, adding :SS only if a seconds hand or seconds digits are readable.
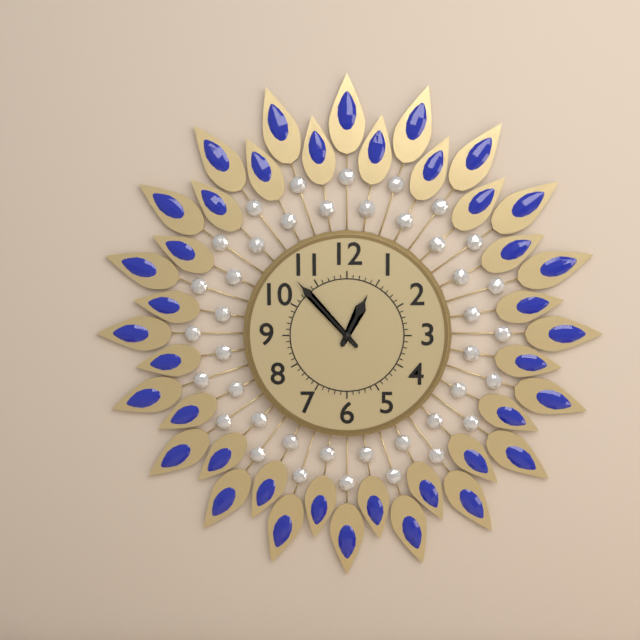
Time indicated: 12:53
